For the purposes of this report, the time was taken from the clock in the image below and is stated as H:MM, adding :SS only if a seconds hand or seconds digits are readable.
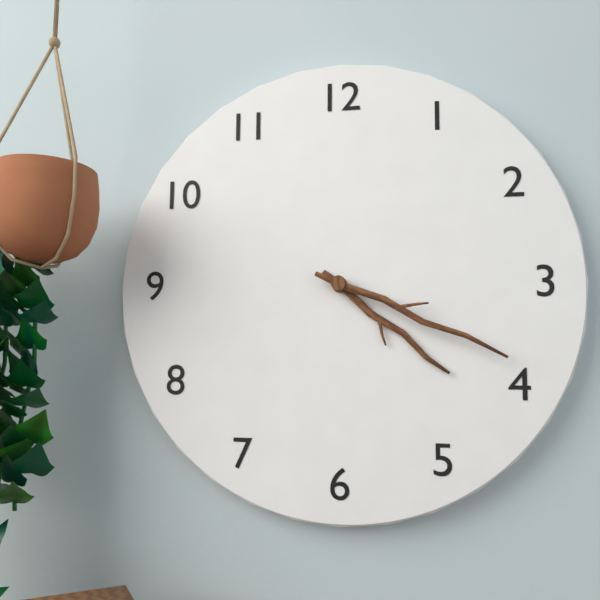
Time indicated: 4:19
